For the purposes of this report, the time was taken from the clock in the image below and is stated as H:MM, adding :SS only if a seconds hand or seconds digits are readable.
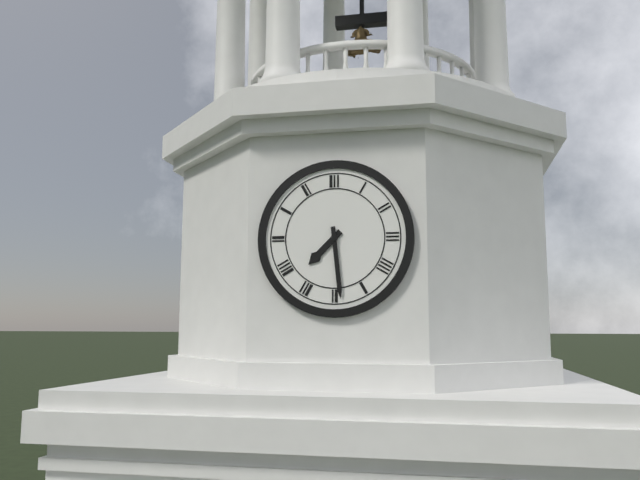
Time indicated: 7:29
